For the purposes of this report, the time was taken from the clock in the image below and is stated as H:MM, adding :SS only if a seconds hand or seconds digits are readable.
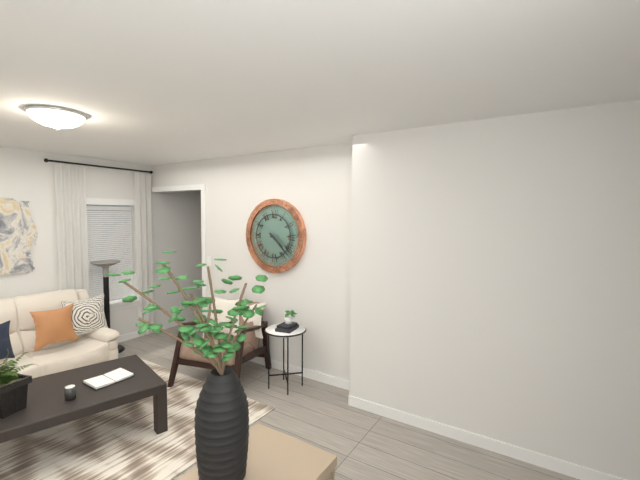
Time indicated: 4:22
